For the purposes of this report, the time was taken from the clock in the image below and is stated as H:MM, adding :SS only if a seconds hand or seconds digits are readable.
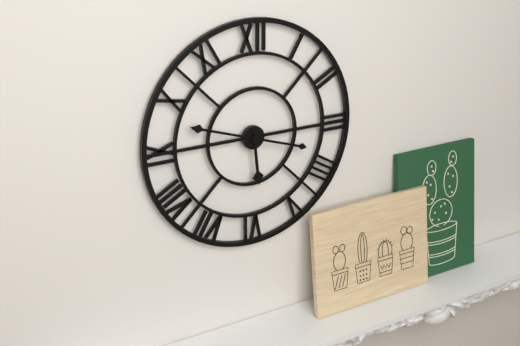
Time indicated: 5:48
